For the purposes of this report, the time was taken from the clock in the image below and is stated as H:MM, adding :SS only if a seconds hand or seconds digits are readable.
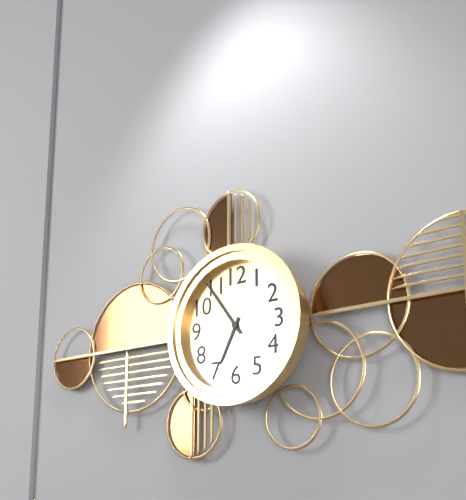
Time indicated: 6:54
